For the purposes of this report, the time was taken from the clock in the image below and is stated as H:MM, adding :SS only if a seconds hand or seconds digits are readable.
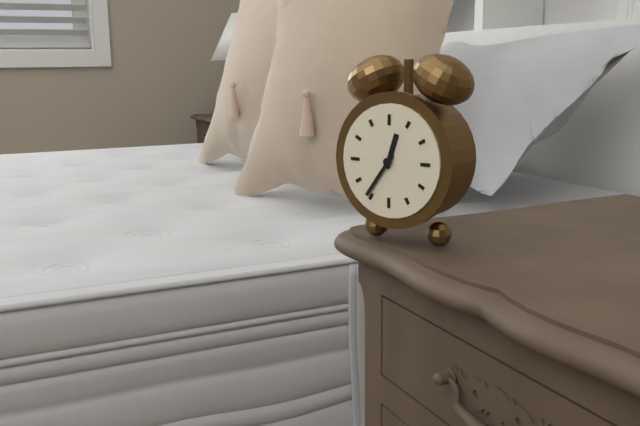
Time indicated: 12:36
